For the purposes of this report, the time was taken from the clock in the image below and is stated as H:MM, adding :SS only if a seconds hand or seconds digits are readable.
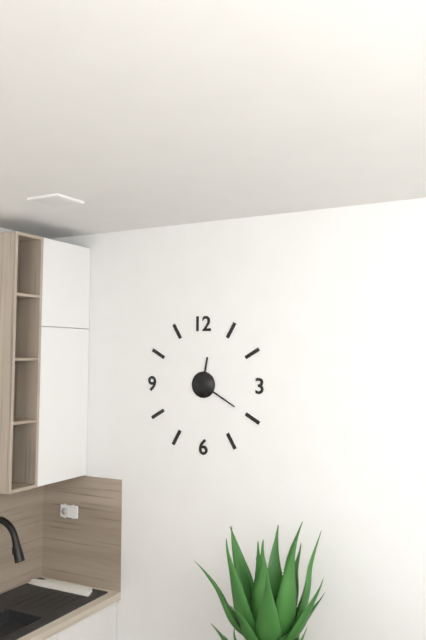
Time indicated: 12:20
